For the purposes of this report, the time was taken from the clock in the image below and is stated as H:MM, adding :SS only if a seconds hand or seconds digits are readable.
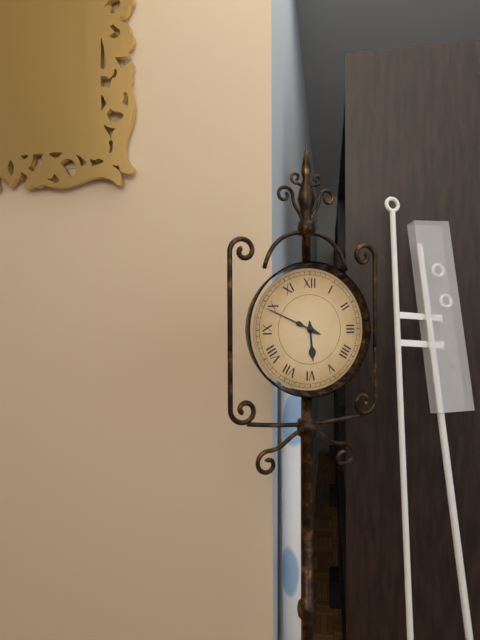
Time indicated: 5:49
